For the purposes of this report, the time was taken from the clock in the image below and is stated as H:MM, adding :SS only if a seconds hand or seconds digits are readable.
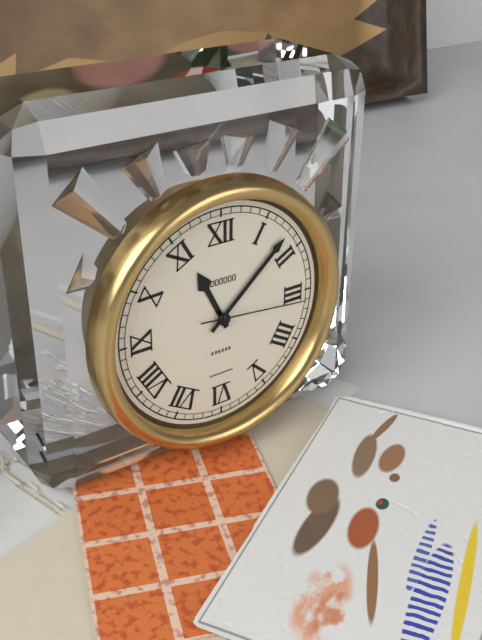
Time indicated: 11:08:16
